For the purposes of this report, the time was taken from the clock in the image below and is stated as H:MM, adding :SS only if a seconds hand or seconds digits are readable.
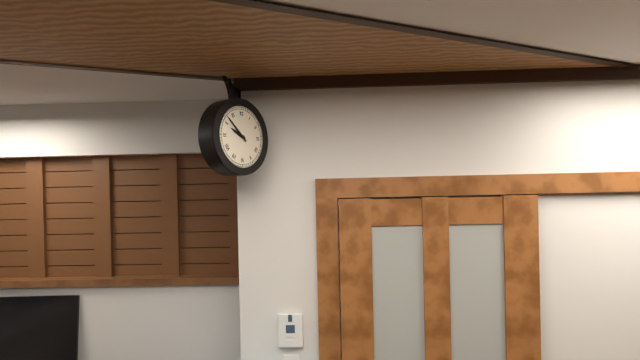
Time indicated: 9:52
